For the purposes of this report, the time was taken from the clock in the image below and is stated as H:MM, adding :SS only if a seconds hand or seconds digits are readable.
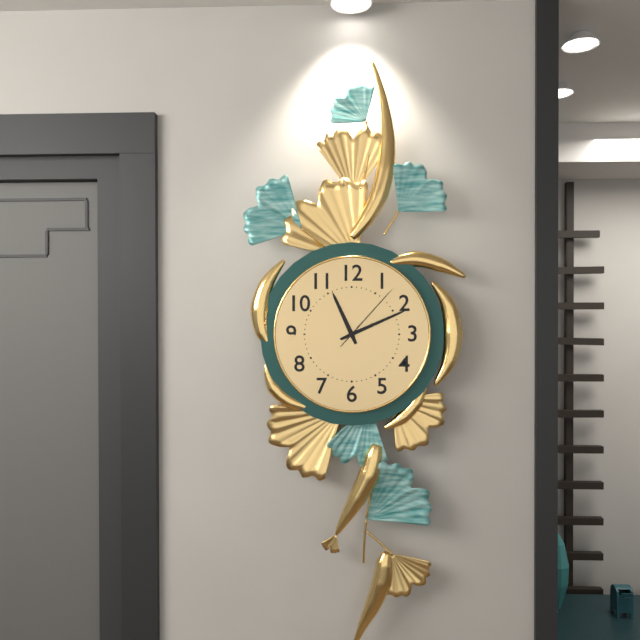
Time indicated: 11:11:07
